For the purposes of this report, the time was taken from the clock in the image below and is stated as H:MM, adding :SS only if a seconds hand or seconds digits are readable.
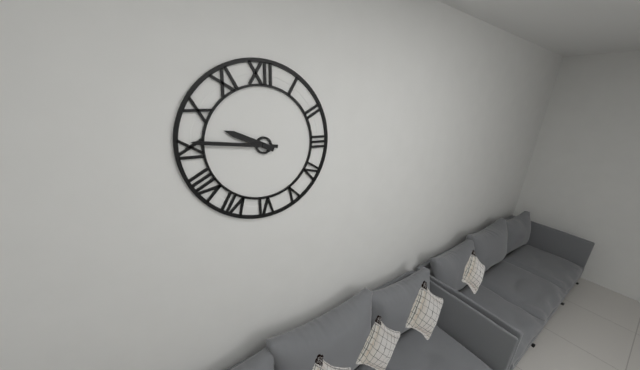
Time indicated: 9:46
